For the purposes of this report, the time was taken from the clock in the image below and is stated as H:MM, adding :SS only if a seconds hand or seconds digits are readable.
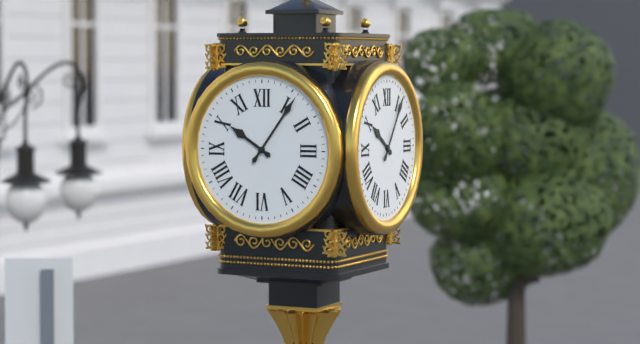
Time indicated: 10:06
